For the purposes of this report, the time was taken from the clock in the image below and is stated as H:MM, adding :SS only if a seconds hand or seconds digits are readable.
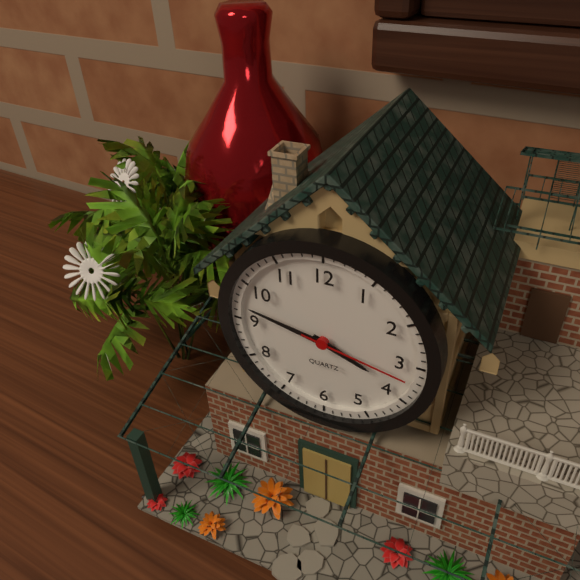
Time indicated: 3:47:17
